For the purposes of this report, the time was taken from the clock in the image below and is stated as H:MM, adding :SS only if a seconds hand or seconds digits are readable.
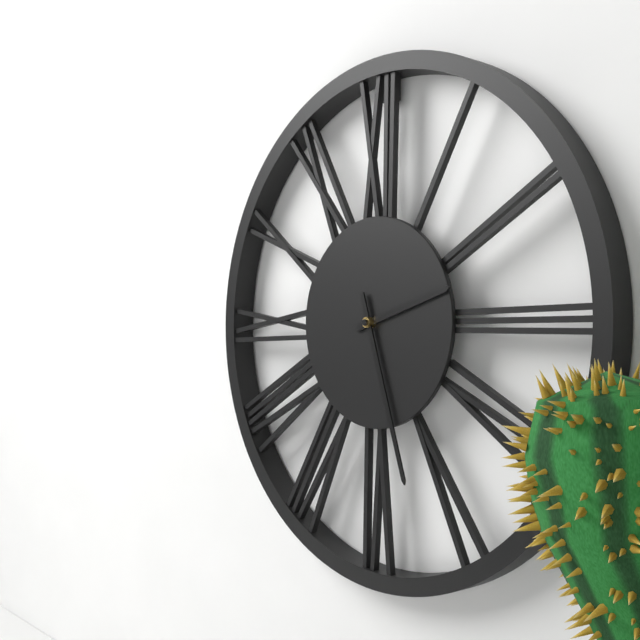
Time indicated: 2:27
